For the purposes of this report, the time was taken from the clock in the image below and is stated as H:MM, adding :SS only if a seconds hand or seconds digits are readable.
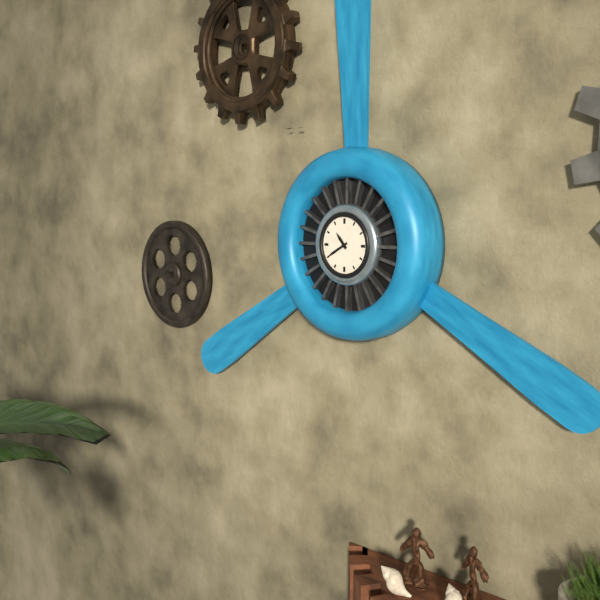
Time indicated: 10:40
